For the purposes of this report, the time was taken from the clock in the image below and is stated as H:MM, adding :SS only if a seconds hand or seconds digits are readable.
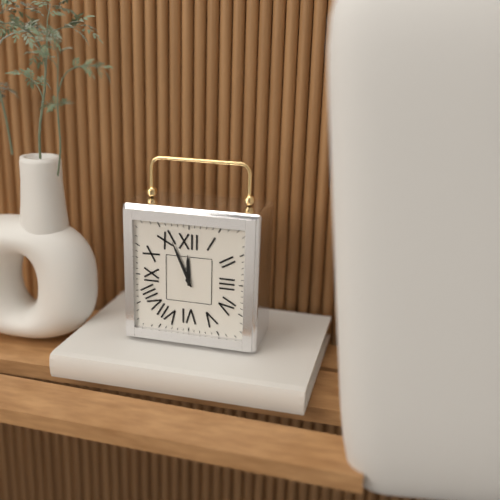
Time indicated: 11:56
